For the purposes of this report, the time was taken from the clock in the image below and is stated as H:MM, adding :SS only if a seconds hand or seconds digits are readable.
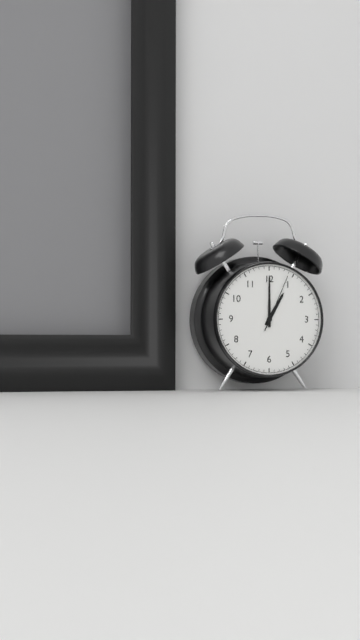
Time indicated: 1:00:04
